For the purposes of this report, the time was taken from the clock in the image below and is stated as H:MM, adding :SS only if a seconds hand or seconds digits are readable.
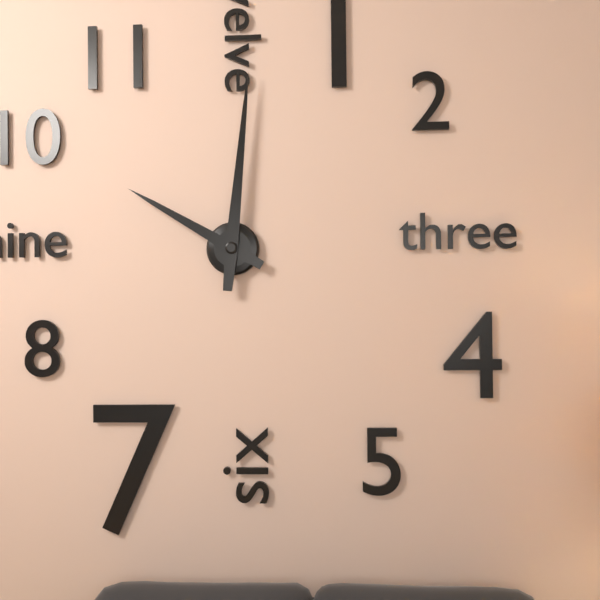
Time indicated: 10:01
